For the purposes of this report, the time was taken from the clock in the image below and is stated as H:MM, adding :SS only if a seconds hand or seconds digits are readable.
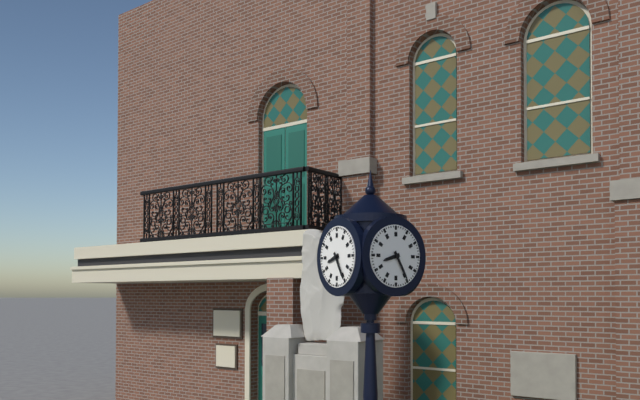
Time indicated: 8:25
